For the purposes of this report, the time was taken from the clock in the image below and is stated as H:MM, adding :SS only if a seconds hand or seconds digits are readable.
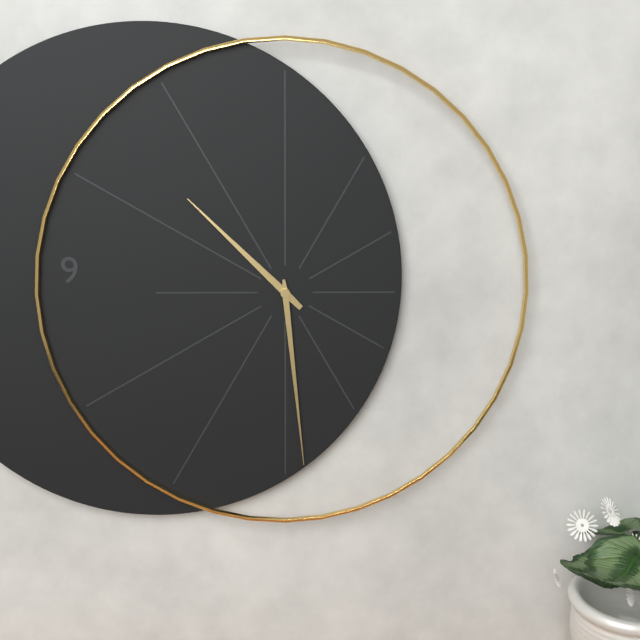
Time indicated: 10:29
